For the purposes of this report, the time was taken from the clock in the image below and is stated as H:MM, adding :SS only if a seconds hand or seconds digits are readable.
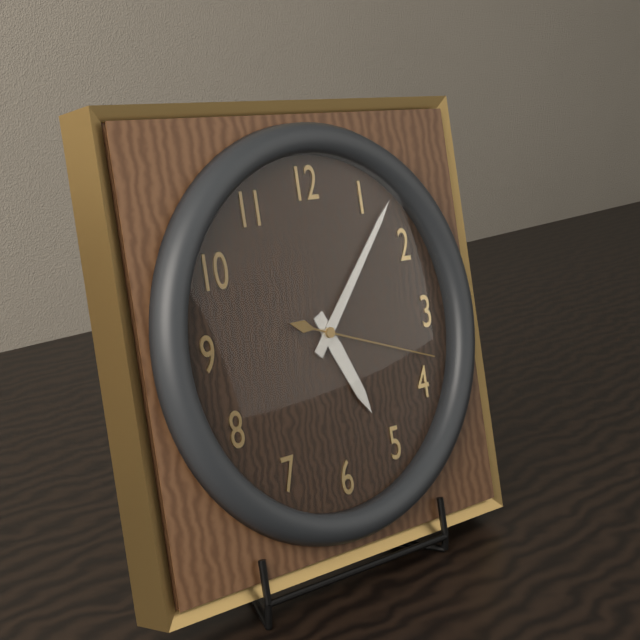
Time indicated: 5:07:18
